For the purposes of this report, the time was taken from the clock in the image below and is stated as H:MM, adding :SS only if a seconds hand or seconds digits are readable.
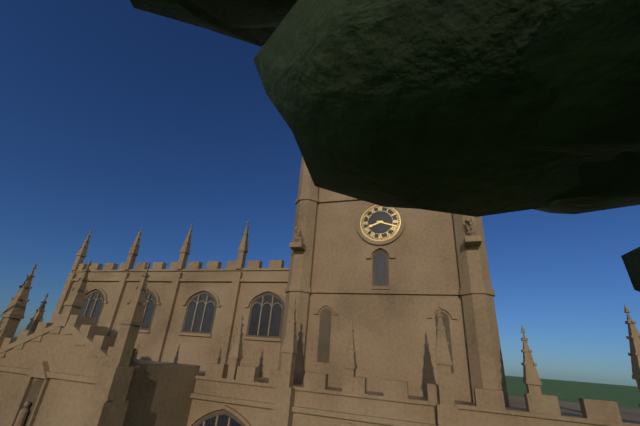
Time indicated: 8:18
